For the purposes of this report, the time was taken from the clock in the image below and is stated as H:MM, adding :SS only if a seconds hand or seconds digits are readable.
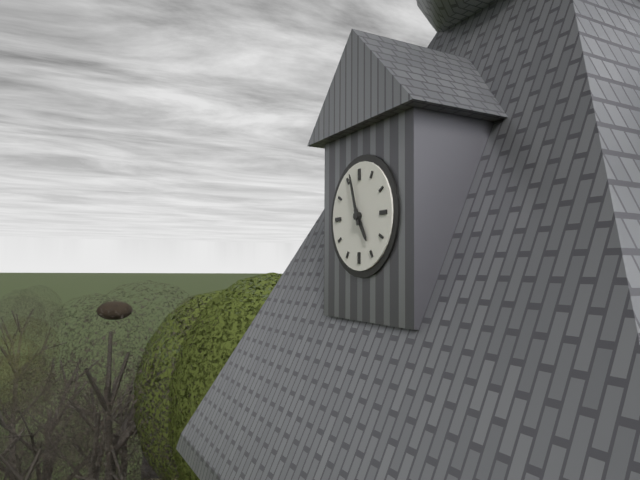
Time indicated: 4:57
